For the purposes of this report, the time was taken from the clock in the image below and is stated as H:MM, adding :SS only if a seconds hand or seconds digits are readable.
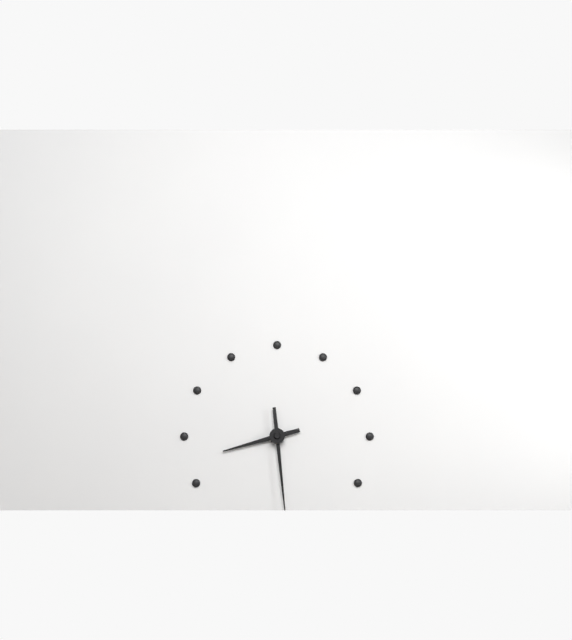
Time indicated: 8:29
